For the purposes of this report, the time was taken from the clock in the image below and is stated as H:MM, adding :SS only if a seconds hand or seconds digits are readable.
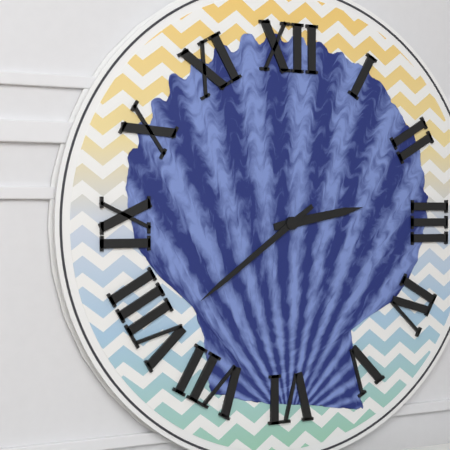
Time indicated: 2:39
